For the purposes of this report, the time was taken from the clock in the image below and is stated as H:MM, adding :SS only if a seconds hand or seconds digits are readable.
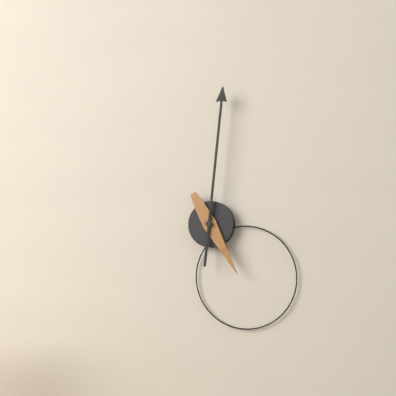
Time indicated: 5:01
